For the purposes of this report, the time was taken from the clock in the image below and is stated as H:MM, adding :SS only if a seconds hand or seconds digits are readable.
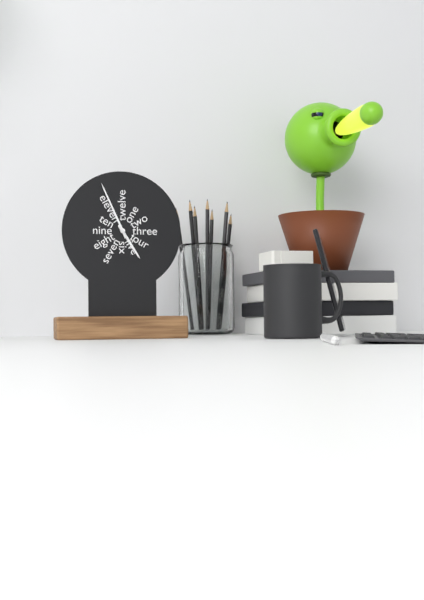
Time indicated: 4:56
